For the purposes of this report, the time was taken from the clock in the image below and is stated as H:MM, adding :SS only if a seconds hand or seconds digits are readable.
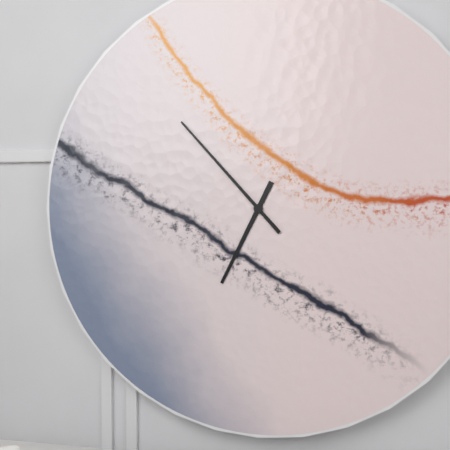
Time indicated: 6:53
